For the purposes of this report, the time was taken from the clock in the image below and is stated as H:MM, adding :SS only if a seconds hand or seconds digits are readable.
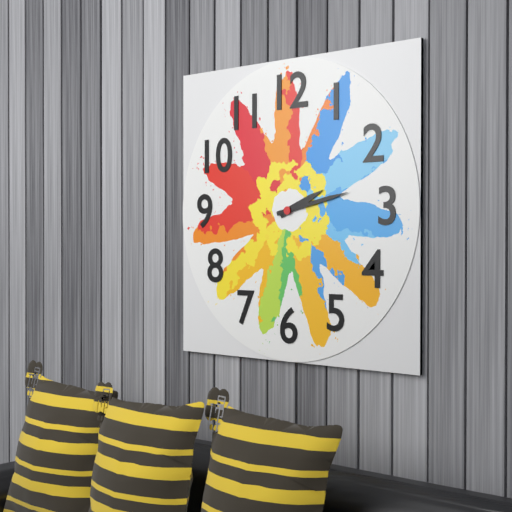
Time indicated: 2:13
